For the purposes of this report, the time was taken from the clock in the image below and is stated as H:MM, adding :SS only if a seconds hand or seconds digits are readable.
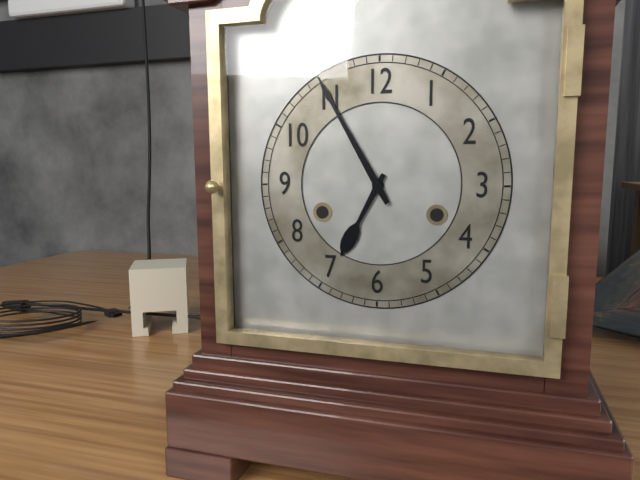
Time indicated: 6:55
